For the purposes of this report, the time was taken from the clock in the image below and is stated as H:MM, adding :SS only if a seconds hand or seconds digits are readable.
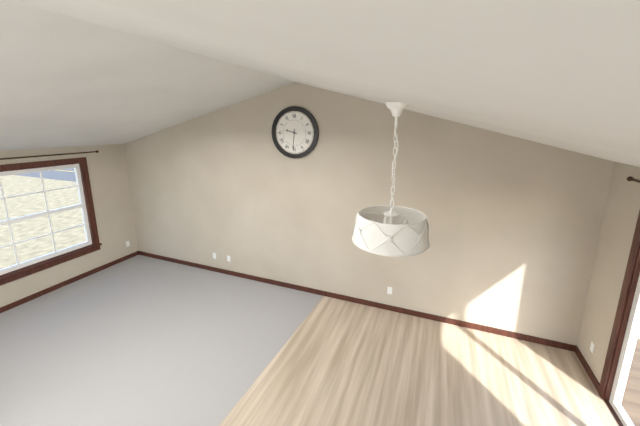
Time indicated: 9:31
